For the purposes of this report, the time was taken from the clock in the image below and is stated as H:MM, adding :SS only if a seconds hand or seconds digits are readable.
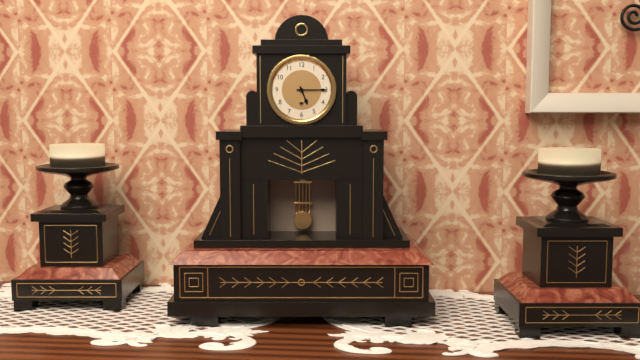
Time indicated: 5:15
